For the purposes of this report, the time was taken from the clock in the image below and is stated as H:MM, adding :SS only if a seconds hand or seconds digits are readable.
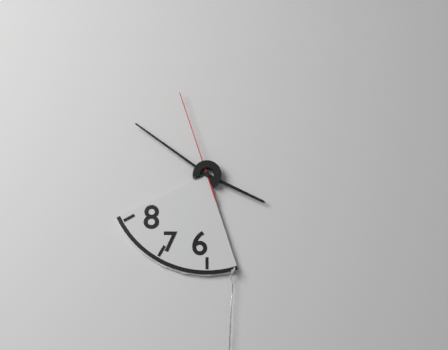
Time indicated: 3:51:57
